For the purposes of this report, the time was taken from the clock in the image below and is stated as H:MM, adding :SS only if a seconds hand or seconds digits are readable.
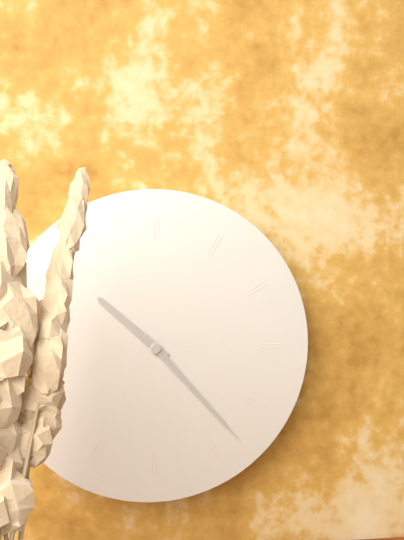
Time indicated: 10:23:23
